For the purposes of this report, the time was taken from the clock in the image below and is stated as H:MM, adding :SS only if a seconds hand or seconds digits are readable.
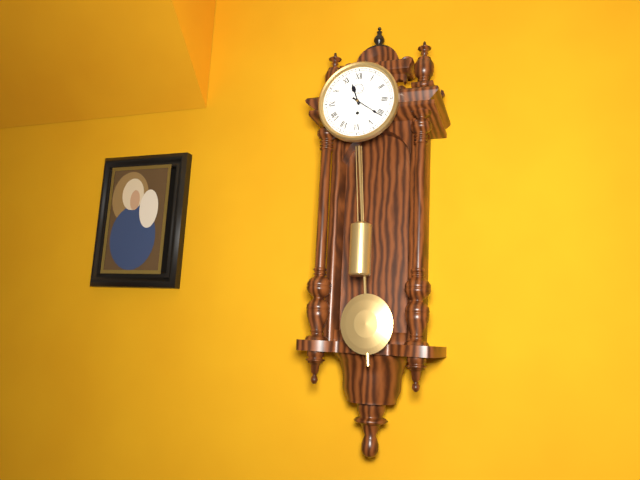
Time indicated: 11:21
